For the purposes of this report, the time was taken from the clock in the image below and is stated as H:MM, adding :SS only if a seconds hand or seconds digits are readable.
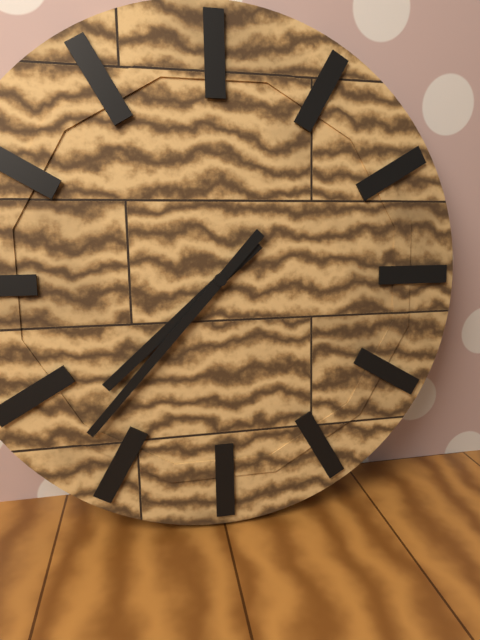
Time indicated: 7:37
